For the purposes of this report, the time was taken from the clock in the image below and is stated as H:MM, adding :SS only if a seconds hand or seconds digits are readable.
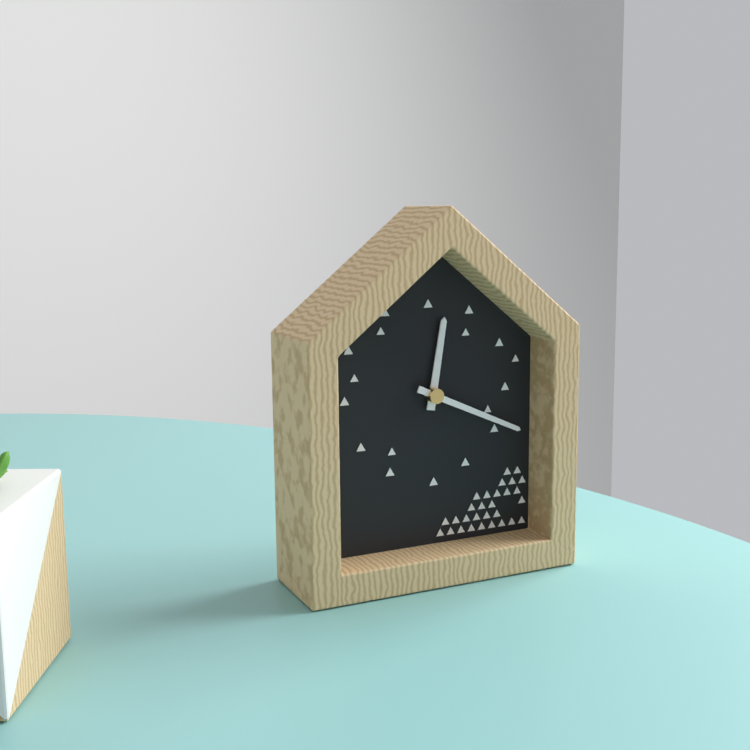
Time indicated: 12:19
